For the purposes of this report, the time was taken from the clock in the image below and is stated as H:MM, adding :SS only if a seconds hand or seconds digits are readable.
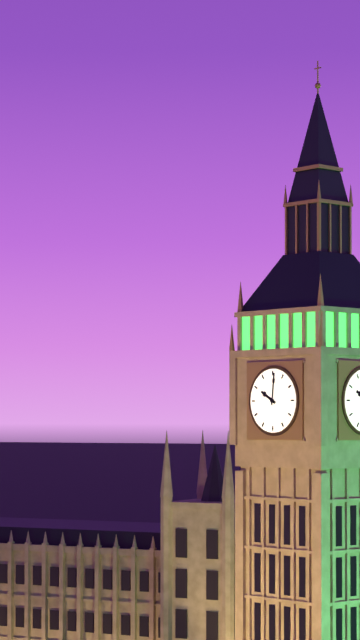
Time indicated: 10:01
